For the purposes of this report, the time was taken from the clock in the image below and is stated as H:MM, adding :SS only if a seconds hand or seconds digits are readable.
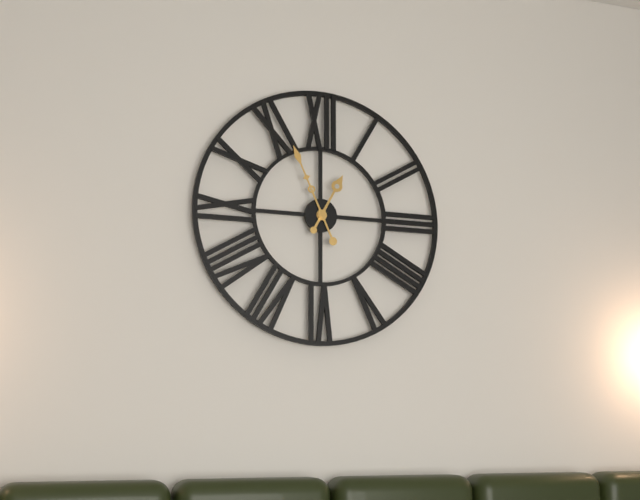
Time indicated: 12:56
